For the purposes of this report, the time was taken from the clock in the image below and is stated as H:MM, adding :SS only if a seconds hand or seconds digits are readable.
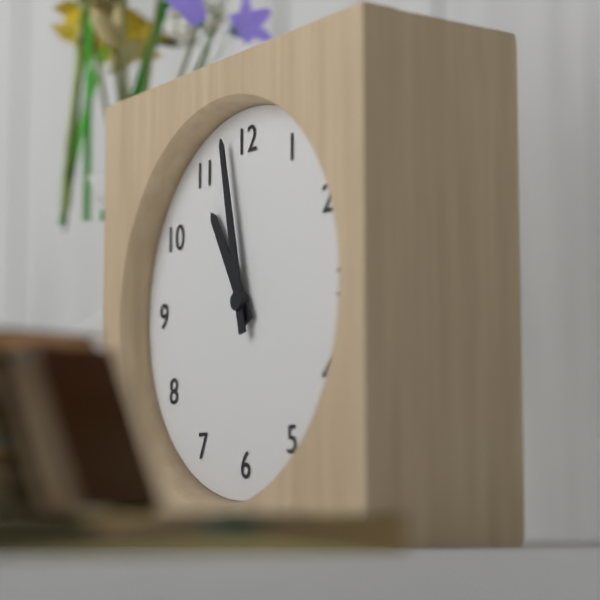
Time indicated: 10:58
